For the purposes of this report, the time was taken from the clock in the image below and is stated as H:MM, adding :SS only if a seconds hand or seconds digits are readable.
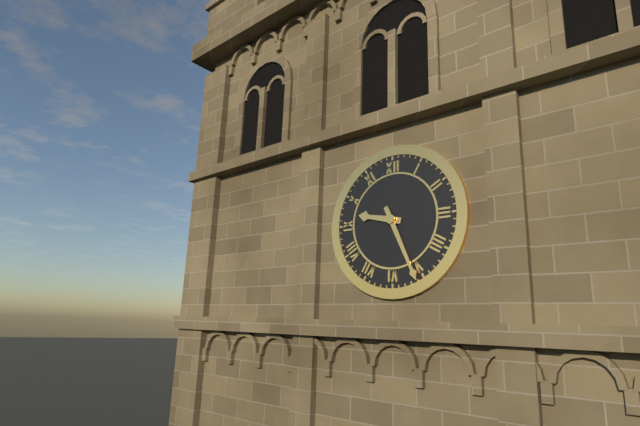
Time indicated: 9:26
